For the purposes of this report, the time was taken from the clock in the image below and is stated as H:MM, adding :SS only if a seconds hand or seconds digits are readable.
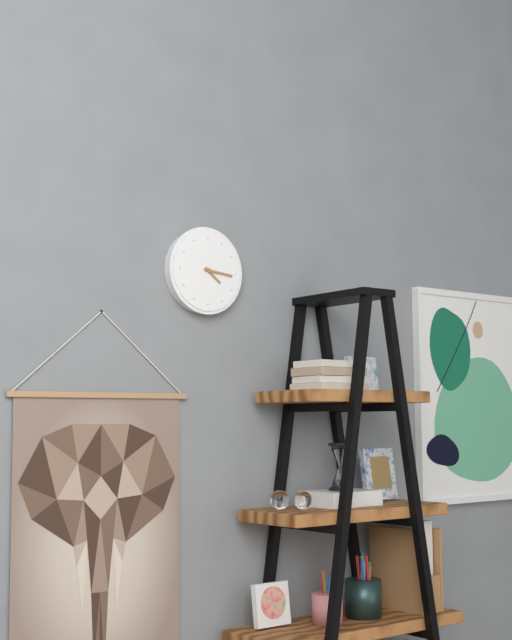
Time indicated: 4:16
